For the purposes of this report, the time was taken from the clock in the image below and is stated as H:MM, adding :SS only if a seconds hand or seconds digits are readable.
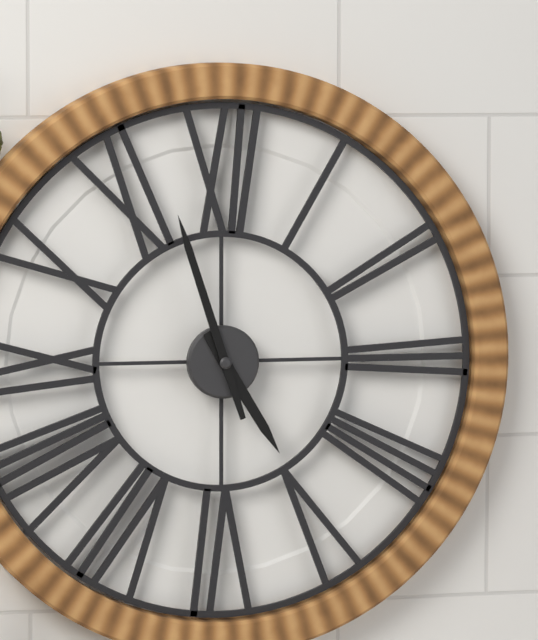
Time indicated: 4:57
